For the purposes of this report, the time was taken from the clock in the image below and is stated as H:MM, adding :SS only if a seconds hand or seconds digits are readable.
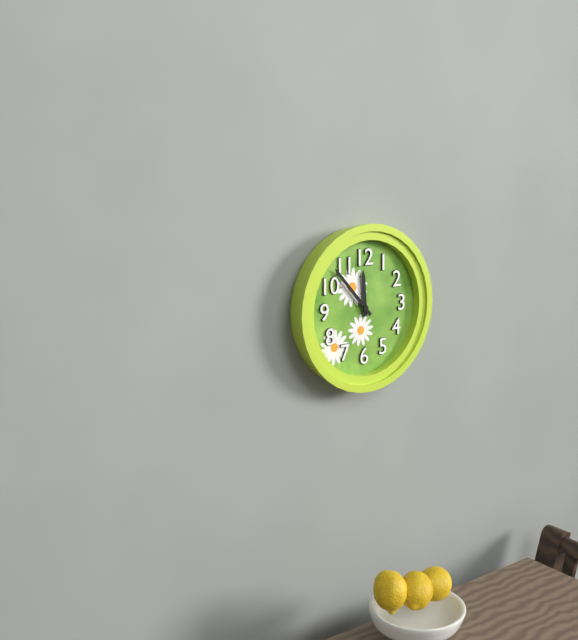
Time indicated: 11:53
